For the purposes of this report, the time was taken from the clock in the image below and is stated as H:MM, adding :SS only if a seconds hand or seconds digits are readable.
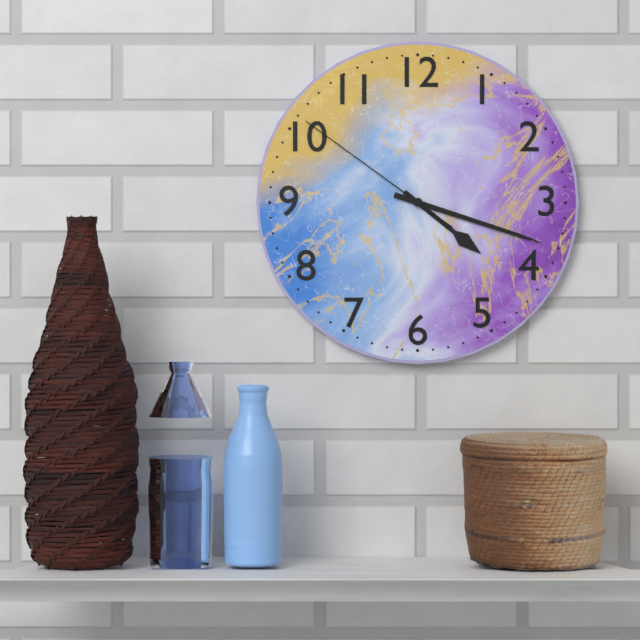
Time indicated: 4:18:51
